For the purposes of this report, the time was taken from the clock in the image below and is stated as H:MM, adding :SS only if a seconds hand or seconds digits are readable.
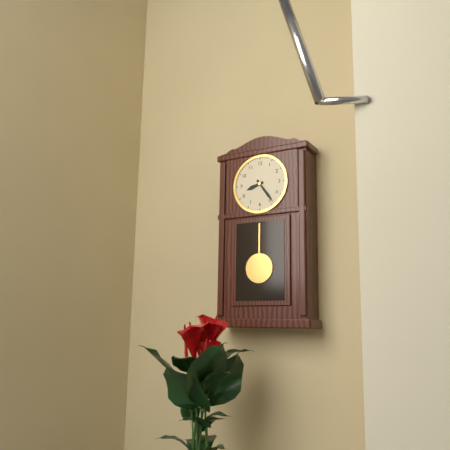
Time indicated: 8:24
